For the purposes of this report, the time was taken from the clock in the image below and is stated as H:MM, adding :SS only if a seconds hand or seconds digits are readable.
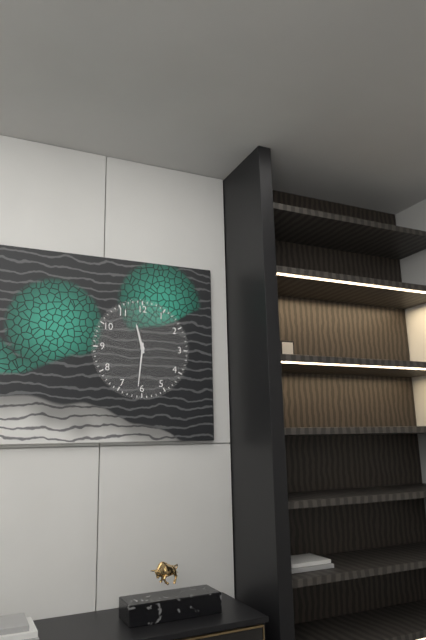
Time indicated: 11:31
